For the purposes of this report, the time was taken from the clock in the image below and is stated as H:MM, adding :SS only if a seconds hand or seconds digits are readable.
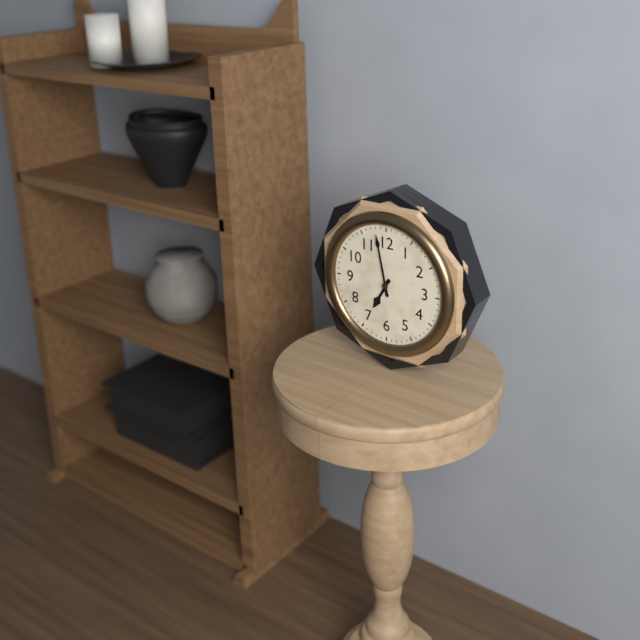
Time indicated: 6:58
